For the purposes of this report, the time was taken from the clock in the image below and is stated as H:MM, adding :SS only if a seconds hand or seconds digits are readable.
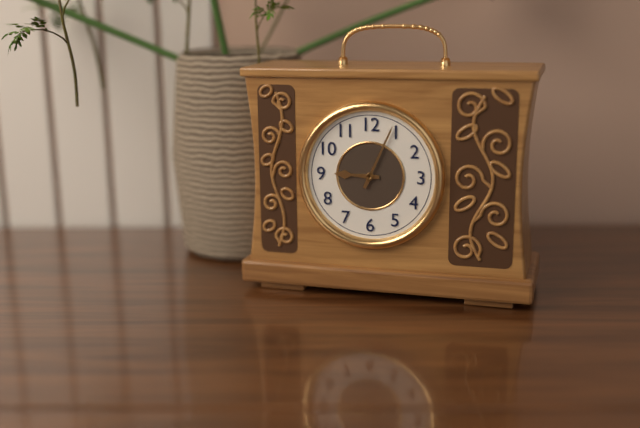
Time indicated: 9:04
